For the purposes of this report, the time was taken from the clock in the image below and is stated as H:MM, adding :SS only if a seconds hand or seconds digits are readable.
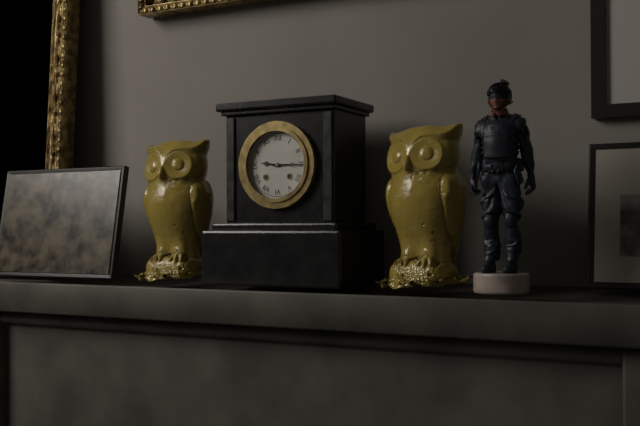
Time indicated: 9:15
